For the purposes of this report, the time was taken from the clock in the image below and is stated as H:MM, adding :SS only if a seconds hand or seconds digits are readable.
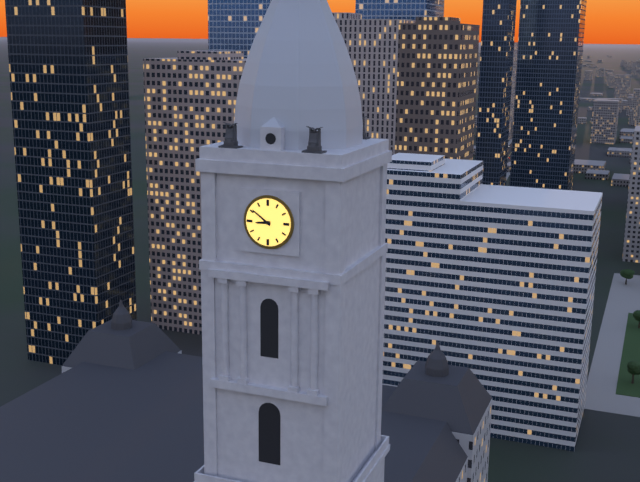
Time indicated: 8:51
